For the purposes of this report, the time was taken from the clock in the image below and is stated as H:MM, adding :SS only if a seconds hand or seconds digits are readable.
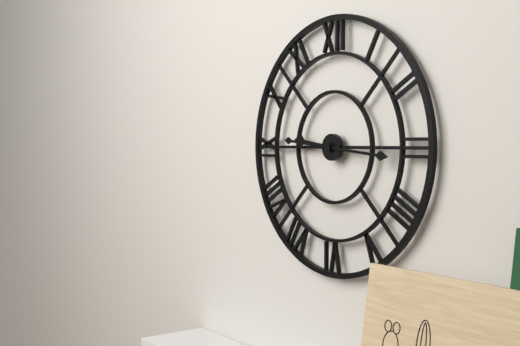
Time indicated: 9:16
